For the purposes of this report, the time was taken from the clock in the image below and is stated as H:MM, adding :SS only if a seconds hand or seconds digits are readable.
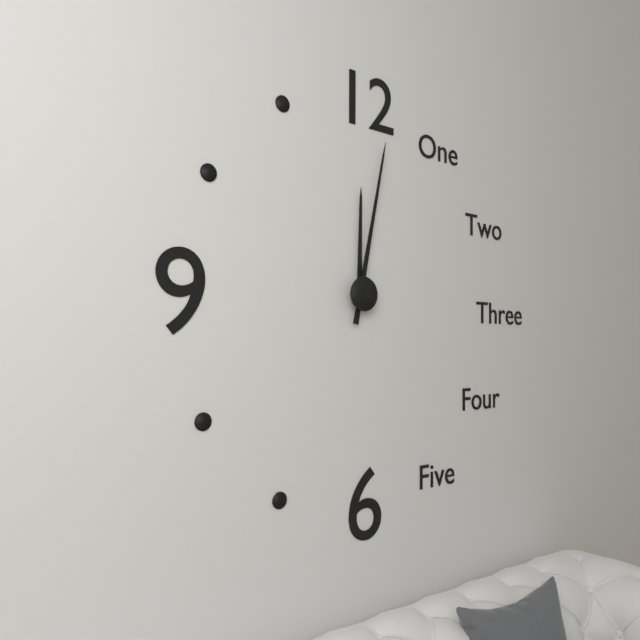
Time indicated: 12:02
